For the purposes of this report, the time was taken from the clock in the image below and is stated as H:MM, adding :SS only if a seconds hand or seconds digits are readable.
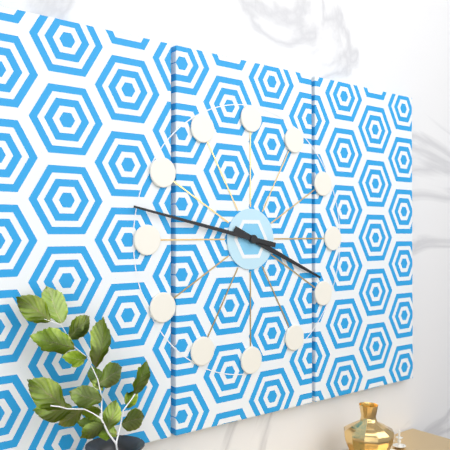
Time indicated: 3:47
